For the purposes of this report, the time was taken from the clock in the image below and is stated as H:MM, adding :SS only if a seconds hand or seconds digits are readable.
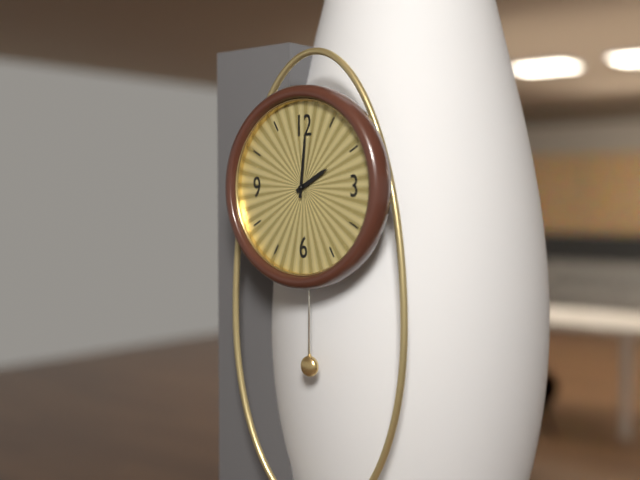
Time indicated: 2:01
